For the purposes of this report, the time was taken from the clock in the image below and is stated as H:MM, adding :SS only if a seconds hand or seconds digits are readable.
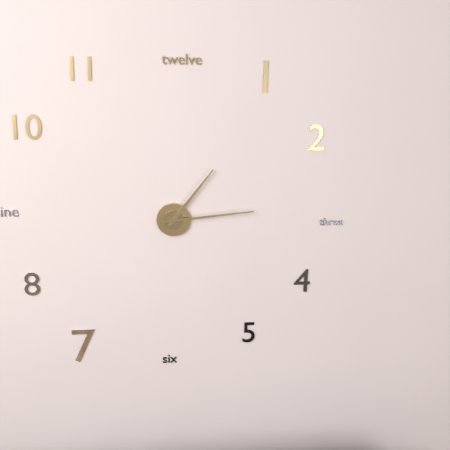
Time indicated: 1:14
